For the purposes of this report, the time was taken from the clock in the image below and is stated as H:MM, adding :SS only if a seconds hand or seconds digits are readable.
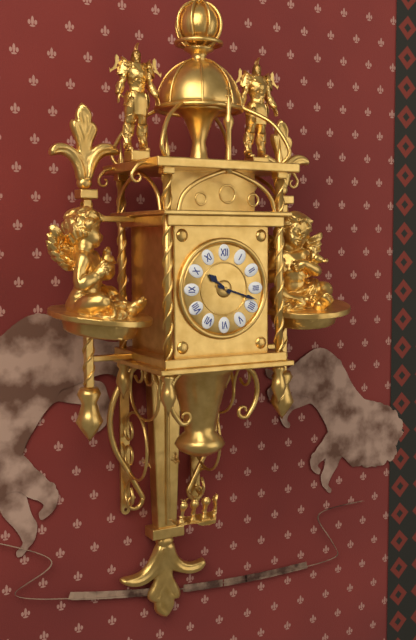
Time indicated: 10:18
